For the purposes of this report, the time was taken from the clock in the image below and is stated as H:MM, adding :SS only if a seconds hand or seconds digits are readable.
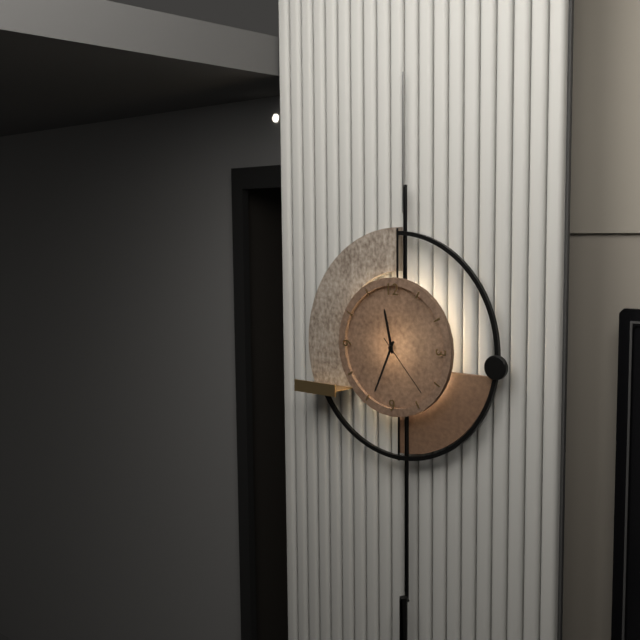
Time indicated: 11:34:23
